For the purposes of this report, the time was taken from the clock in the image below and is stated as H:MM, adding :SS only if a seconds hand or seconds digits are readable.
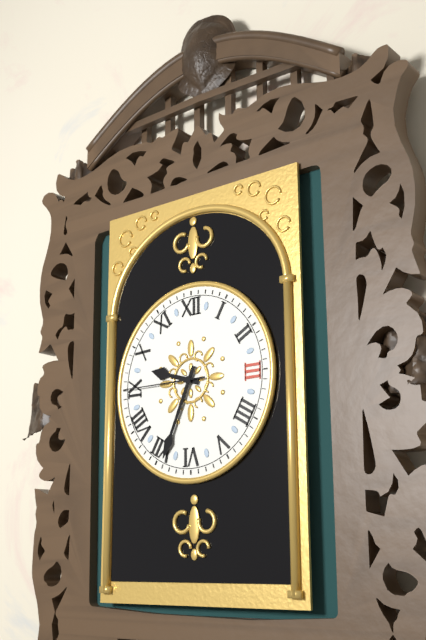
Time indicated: 9:34:45
